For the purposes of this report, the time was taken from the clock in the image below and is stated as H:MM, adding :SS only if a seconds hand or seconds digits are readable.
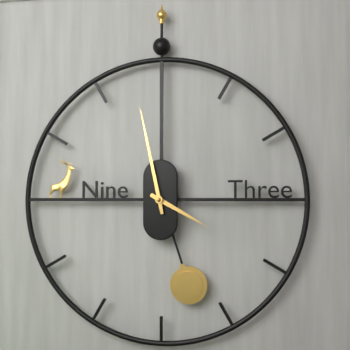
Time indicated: 3:58
